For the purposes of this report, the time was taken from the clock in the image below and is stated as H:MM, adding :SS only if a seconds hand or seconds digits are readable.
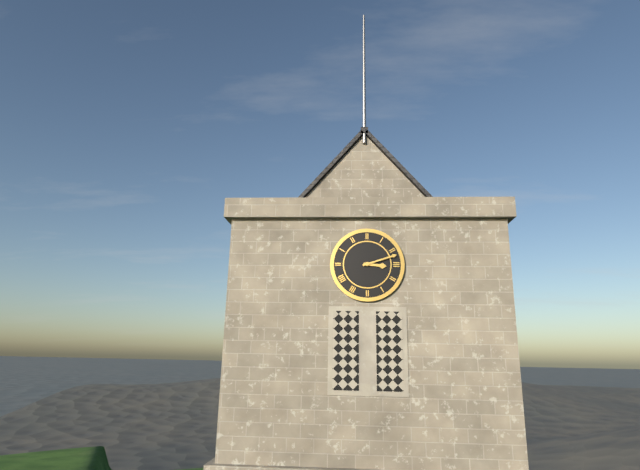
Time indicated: 3:12
